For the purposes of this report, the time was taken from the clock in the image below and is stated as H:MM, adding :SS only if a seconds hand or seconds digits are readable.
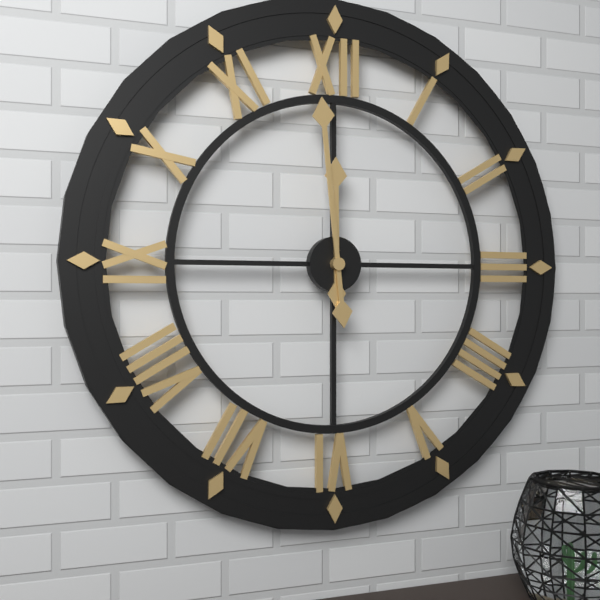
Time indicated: 11:59
